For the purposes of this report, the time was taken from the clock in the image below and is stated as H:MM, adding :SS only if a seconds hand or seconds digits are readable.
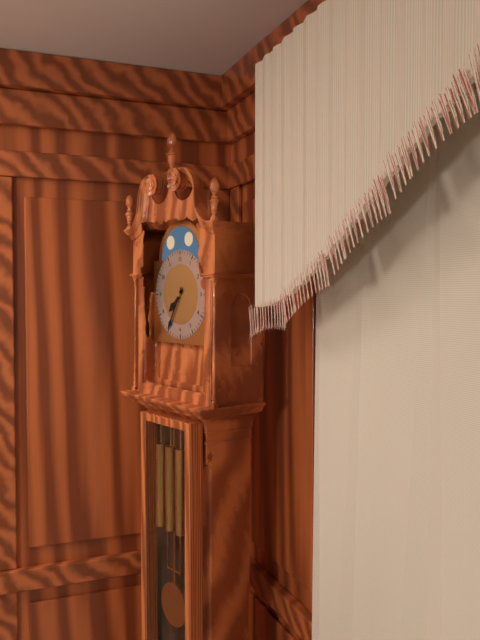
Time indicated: 7:35
